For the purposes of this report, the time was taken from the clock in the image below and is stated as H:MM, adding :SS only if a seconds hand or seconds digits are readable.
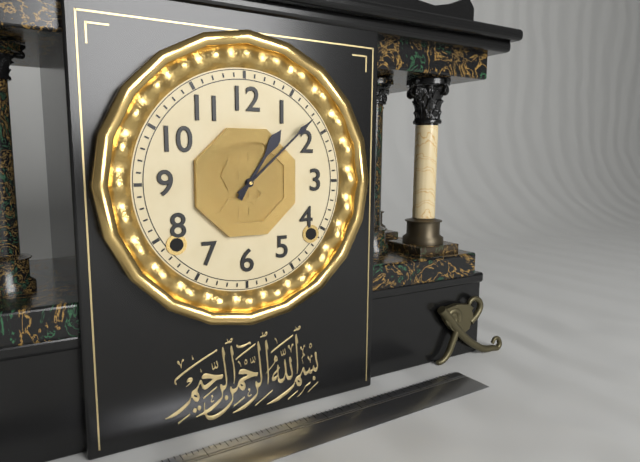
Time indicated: 1:08
